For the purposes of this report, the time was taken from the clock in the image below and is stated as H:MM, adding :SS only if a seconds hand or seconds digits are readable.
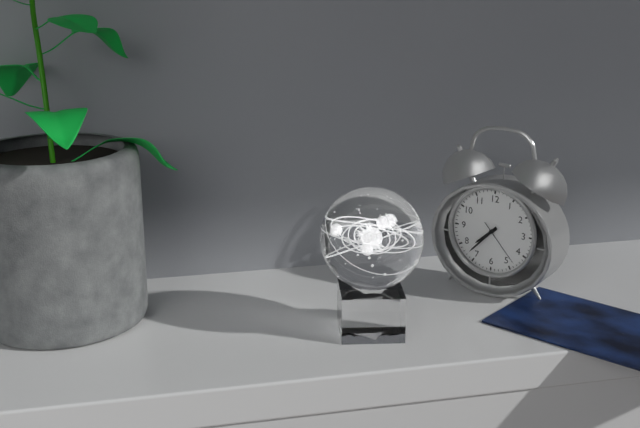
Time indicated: 7:37
